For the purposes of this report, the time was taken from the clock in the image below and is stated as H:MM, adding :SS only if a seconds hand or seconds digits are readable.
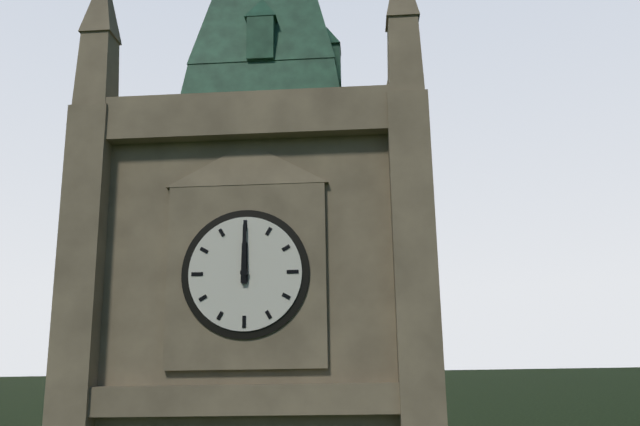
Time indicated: 12:00
